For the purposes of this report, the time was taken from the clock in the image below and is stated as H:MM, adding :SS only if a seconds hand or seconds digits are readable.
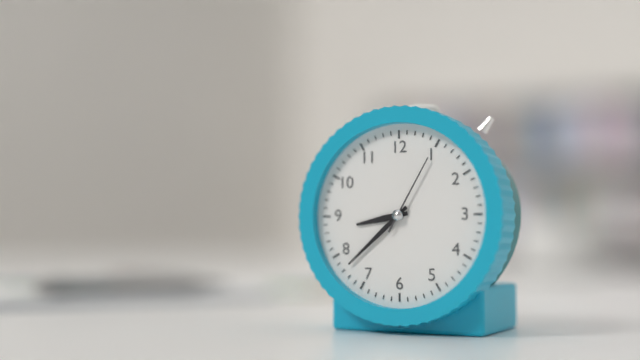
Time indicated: 8:38:05
